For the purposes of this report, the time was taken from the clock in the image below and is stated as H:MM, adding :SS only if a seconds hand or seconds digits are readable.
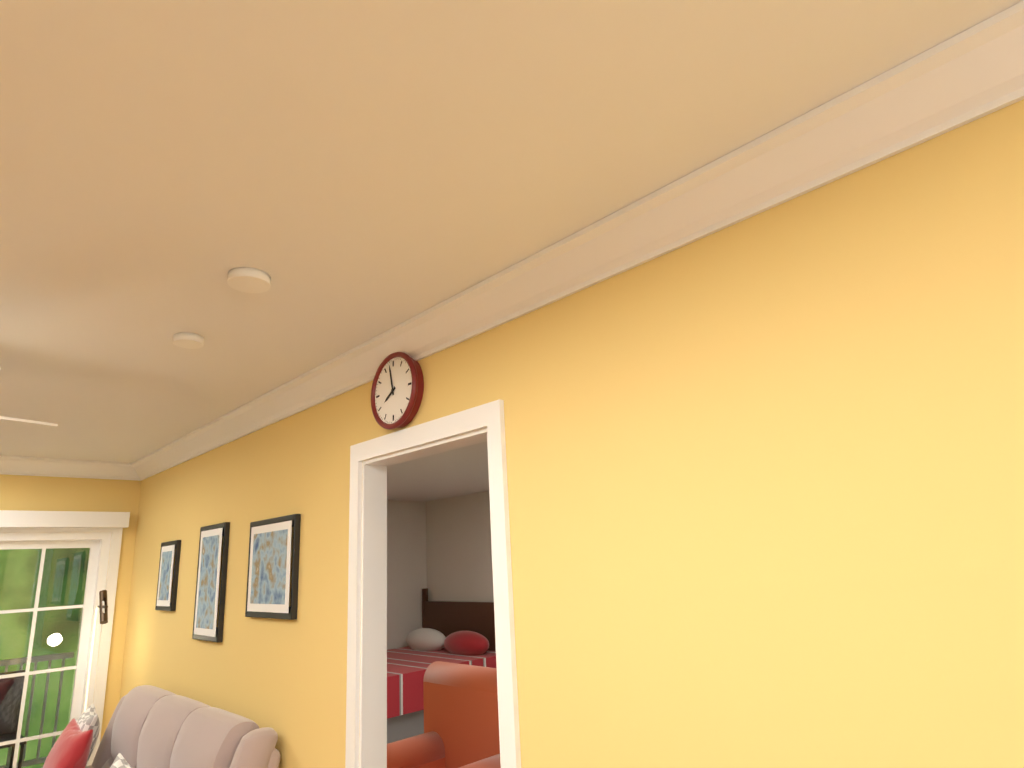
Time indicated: 7:58
